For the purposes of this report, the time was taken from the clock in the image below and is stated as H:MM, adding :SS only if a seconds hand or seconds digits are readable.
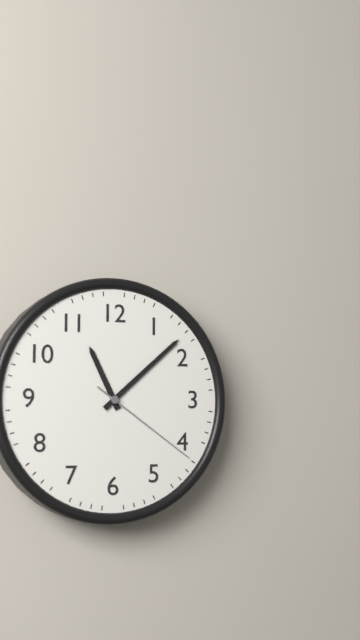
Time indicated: 11:08:21
